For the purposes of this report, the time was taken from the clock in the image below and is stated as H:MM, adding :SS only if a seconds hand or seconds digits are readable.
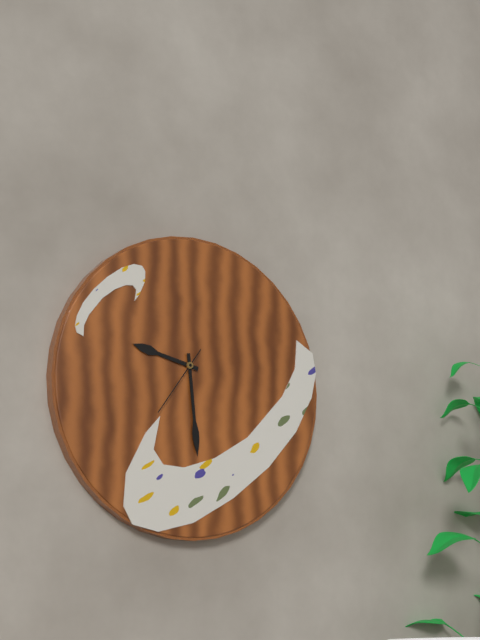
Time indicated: 9:29:36
